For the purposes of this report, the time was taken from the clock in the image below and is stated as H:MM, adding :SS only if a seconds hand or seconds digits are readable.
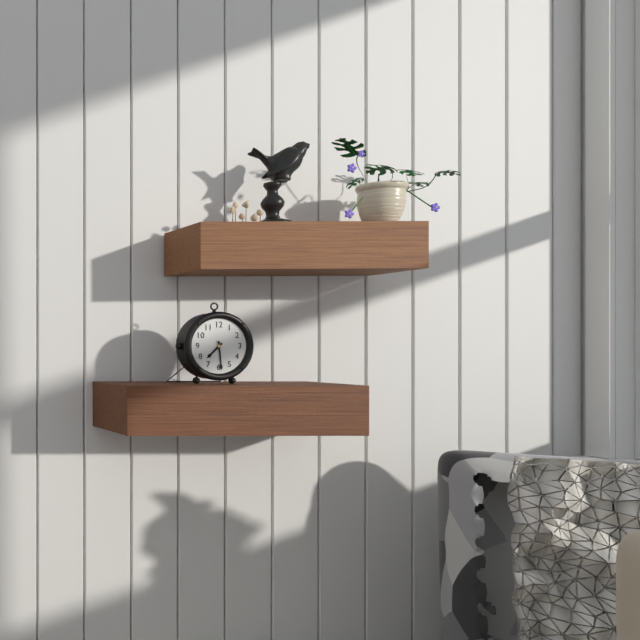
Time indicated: 7:29
